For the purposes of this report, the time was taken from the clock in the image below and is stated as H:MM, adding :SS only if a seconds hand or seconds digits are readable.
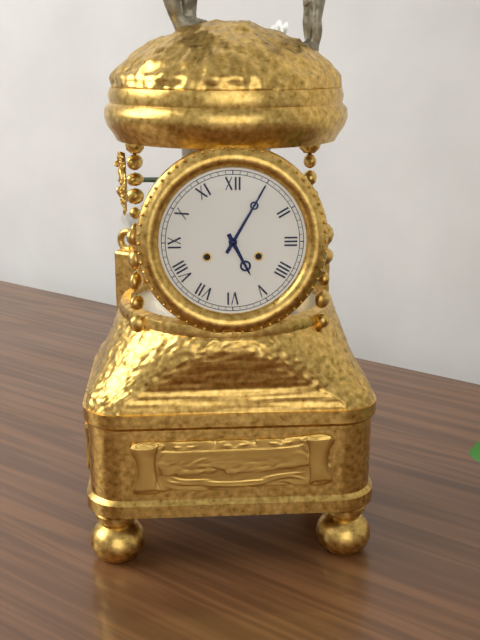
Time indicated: 5:05
